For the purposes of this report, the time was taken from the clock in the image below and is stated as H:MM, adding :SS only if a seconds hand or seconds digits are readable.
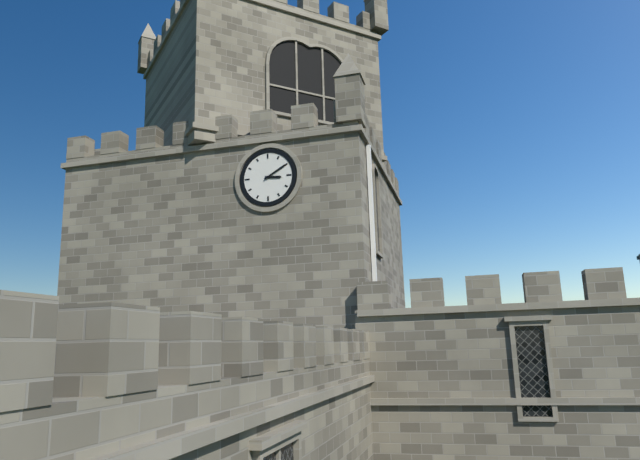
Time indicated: 3:10
